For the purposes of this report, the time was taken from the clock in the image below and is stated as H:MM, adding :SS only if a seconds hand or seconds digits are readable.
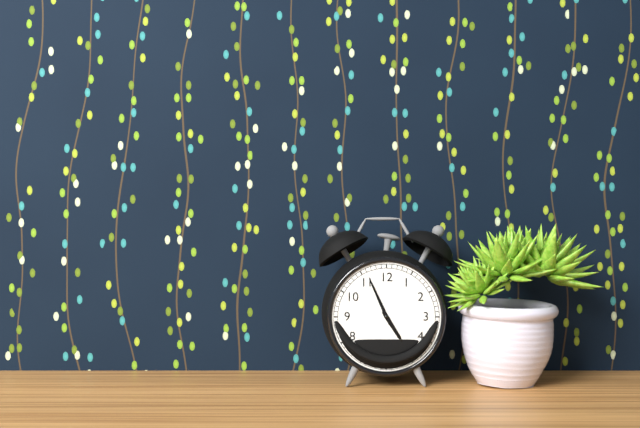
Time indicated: 4:56
